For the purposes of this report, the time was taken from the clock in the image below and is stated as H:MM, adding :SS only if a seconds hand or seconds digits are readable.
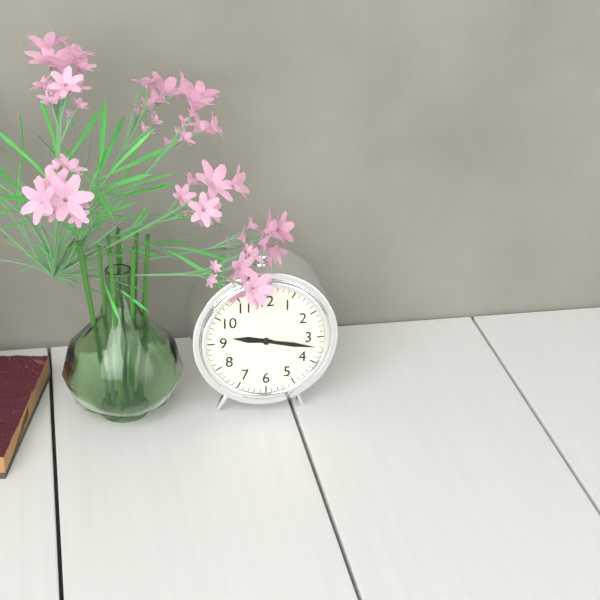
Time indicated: 9:17
